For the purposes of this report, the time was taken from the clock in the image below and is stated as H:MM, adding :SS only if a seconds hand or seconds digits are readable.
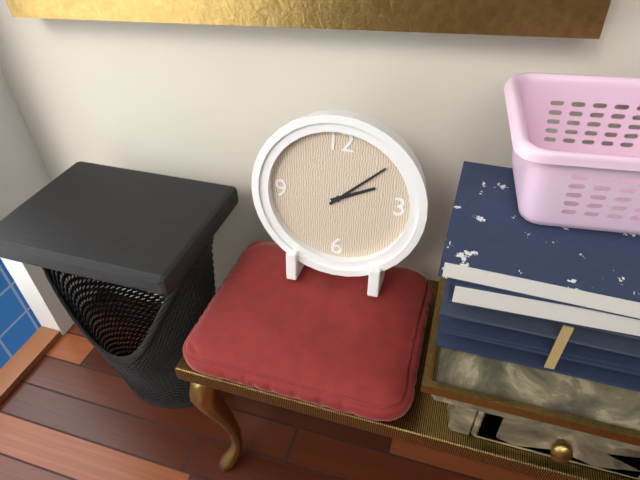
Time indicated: 2:08
